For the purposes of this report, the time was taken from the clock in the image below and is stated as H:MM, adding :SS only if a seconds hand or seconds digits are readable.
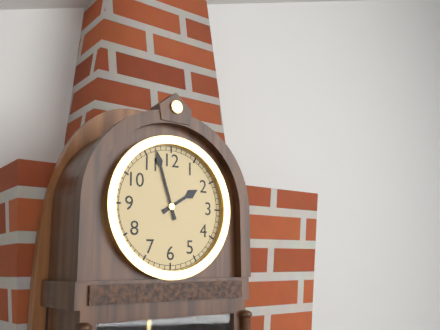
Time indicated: 1:57
